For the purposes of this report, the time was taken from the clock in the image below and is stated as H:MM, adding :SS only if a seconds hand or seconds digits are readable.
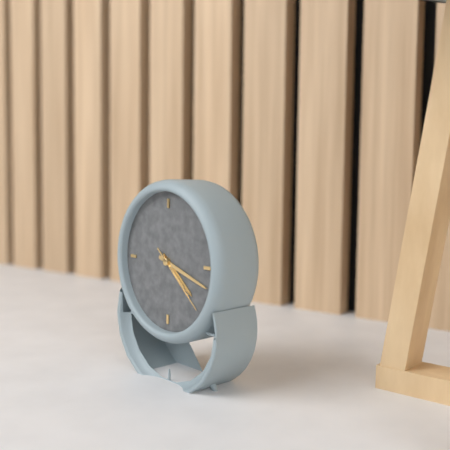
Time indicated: 4:18:22
